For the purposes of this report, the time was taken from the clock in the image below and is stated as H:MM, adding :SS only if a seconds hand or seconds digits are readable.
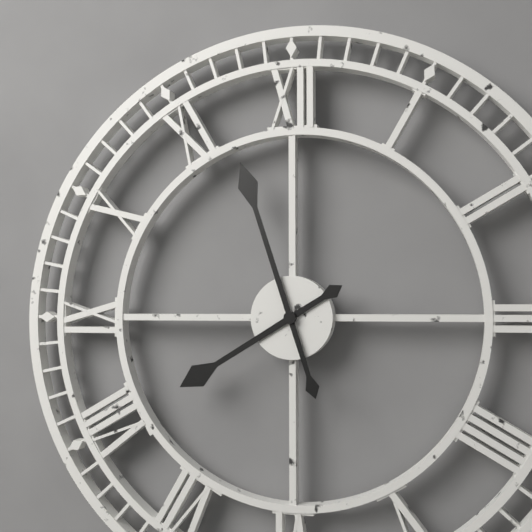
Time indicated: 7:57
